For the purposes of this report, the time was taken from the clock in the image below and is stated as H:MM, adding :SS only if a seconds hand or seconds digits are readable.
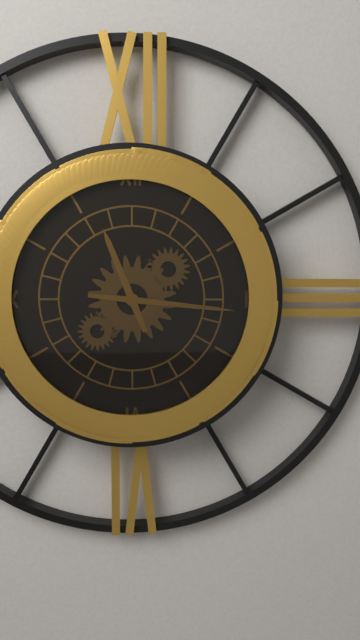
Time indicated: 11:16
